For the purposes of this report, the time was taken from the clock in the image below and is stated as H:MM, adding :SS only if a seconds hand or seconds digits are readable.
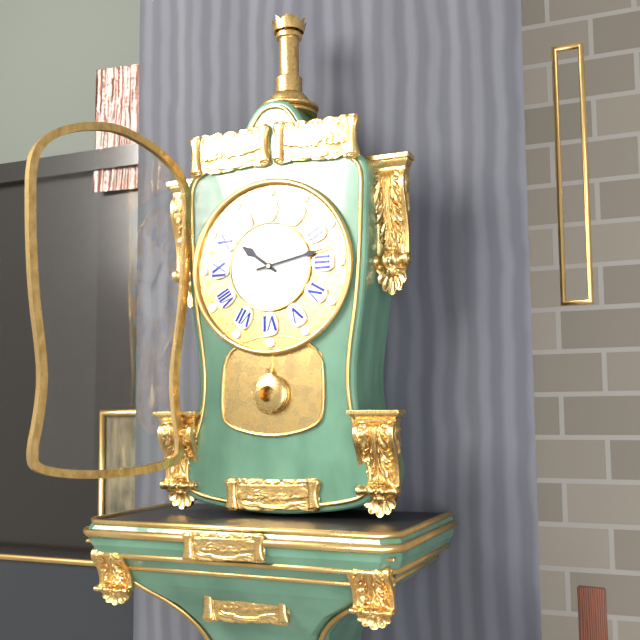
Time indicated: 10:13
